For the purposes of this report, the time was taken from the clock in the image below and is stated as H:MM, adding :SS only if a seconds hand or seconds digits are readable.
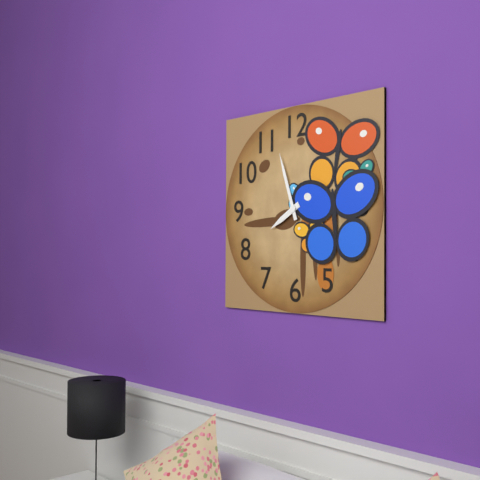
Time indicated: 7:57
